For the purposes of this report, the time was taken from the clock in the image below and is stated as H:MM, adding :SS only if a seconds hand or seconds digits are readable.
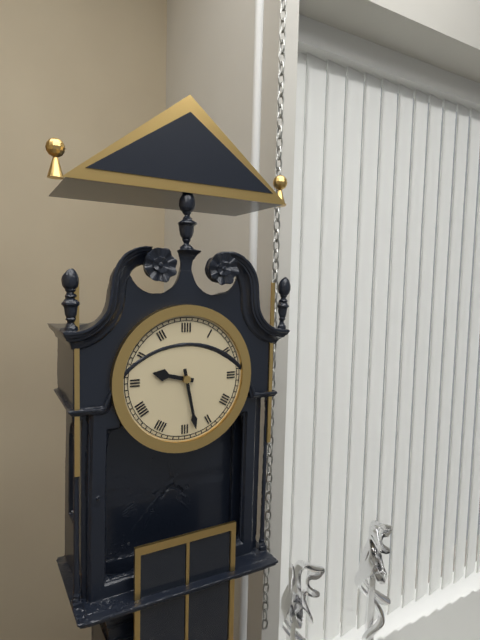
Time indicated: 9:28
